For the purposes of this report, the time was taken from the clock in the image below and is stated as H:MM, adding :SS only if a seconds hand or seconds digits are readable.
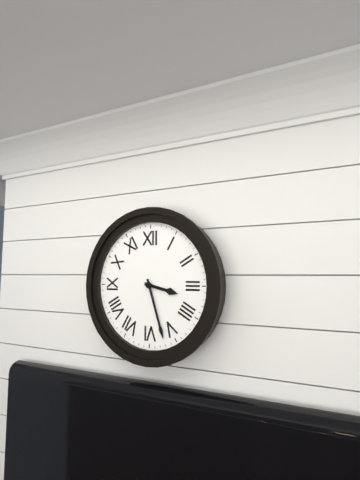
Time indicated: 3:27
